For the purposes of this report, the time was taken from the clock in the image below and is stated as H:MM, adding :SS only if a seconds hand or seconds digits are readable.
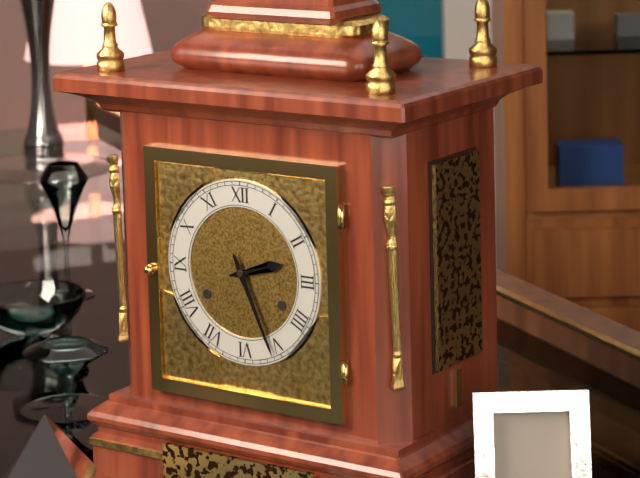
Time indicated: 2:26
